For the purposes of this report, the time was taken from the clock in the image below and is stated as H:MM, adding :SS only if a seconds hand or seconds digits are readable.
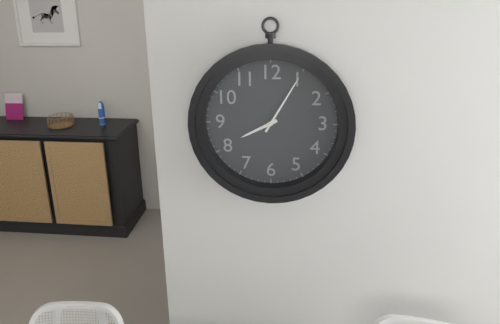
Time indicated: 8:05
